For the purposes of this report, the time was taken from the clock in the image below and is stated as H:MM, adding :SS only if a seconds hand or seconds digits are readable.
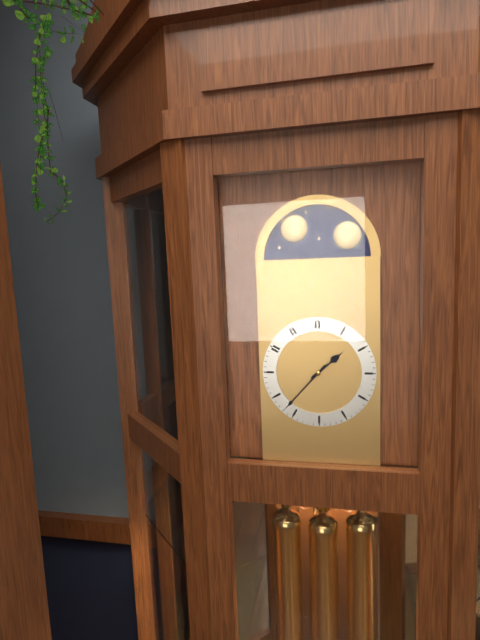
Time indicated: 1:37
